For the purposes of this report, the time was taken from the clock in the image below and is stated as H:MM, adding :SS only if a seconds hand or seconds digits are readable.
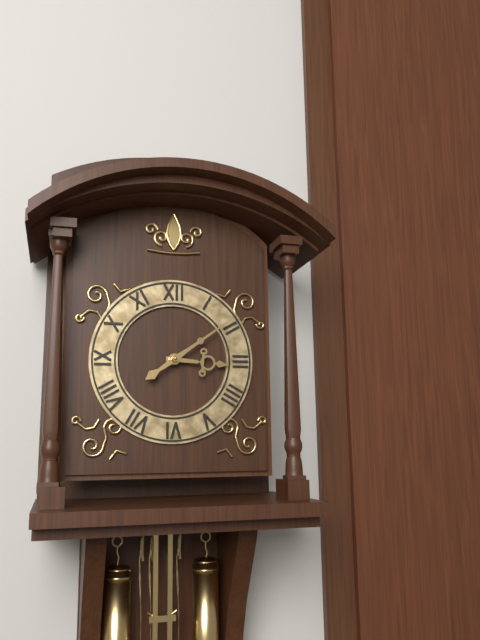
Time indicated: 3:09
